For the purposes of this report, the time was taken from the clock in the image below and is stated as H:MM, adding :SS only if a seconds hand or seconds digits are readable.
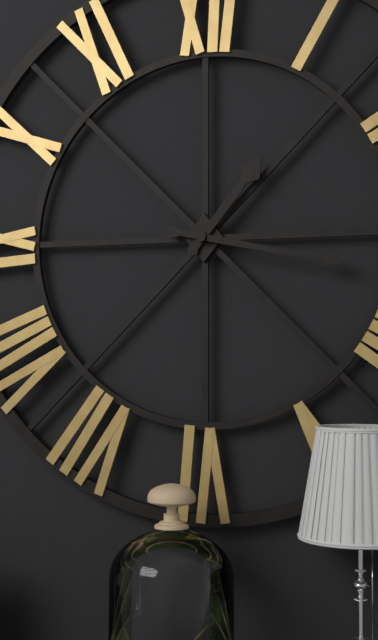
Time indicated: 1:17
